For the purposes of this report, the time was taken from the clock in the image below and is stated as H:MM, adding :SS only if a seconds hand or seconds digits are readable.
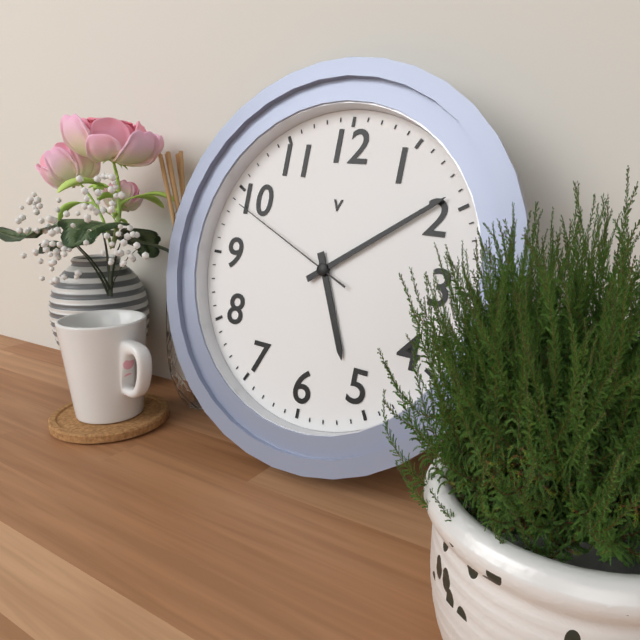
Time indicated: 5:09:49
